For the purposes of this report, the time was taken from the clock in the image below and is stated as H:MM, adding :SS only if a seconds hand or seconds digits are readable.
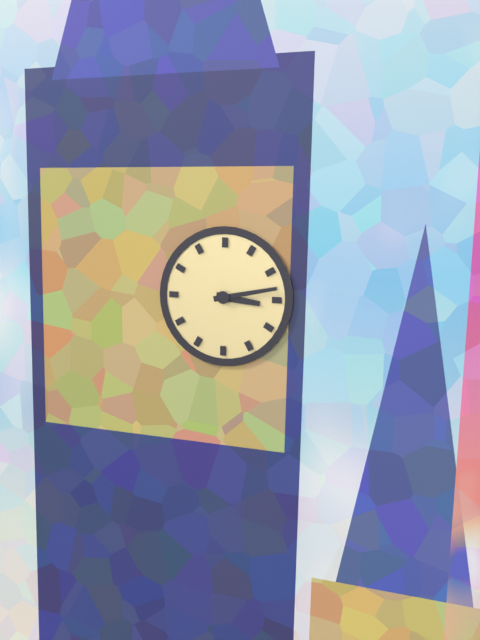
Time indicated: 3:13
